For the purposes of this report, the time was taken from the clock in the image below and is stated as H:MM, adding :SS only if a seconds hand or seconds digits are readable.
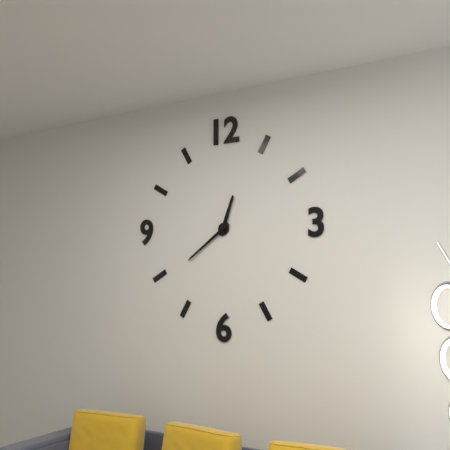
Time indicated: 12:39
